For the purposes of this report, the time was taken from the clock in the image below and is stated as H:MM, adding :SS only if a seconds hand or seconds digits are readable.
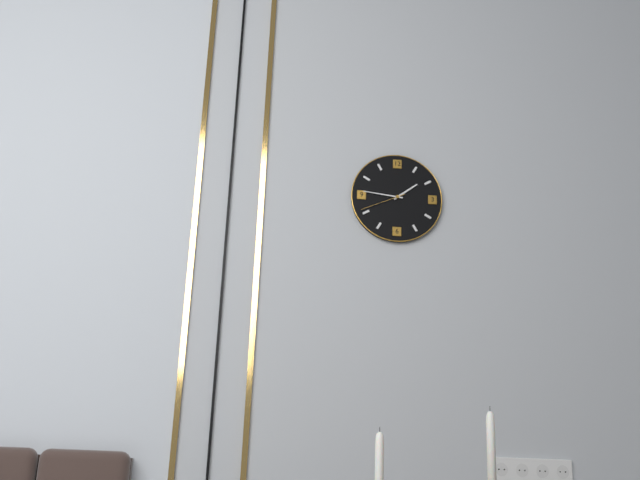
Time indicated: 1:46
